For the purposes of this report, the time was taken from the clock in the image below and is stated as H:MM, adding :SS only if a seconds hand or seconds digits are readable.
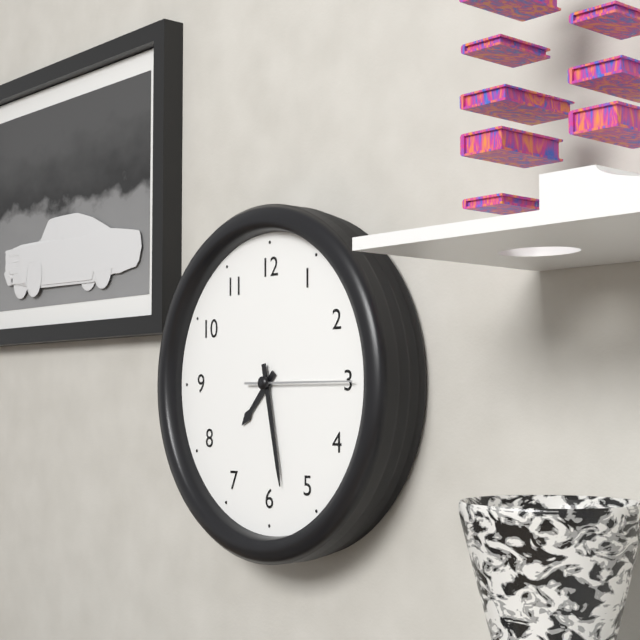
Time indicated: 7:28:15
